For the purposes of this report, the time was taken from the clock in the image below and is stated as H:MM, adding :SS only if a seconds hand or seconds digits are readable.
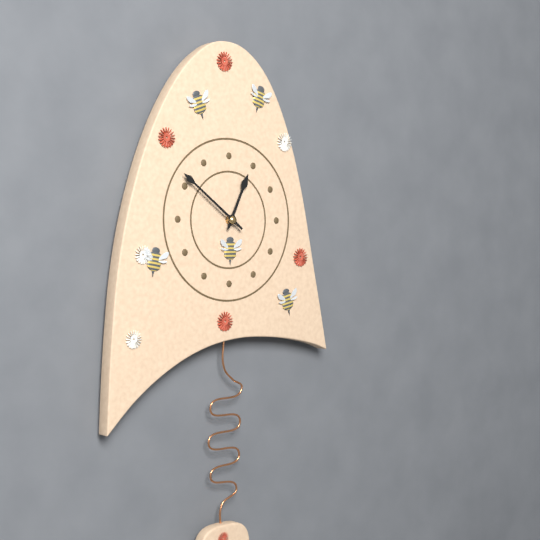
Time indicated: 12:51
